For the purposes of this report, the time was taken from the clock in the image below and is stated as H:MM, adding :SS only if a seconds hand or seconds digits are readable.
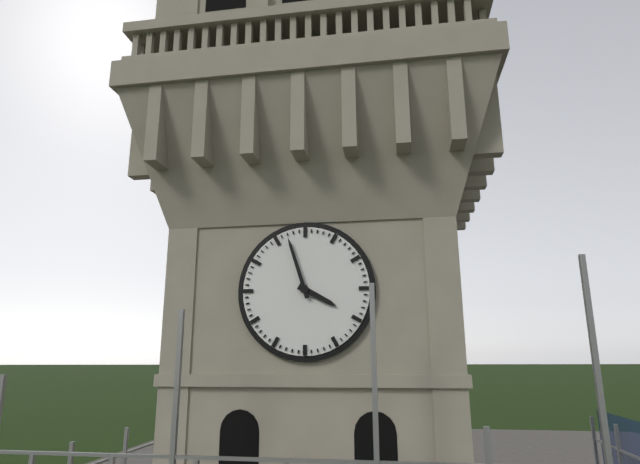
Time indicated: 3:57
